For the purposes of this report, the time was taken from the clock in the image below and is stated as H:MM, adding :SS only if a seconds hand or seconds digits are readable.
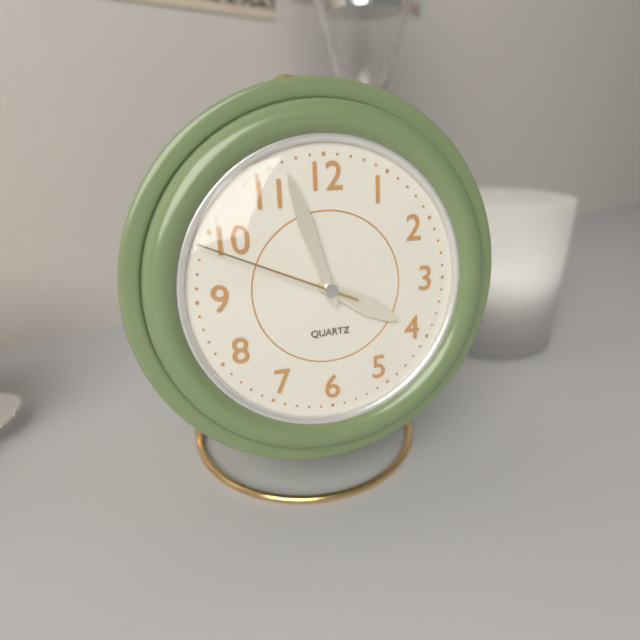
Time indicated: 3:57:49
